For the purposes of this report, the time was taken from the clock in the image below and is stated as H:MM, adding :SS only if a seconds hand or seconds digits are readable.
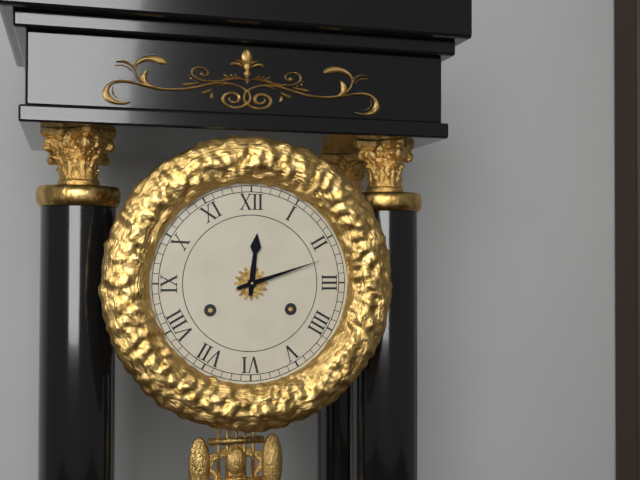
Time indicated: 12:12
